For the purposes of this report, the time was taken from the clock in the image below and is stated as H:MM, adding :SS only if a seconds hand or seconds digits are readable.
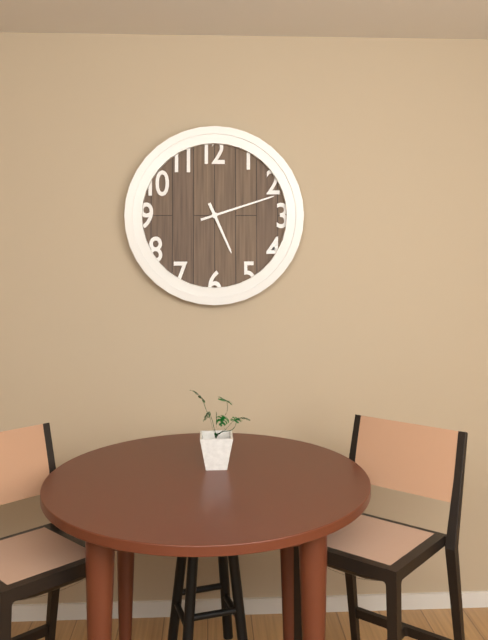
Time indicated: 5:12
